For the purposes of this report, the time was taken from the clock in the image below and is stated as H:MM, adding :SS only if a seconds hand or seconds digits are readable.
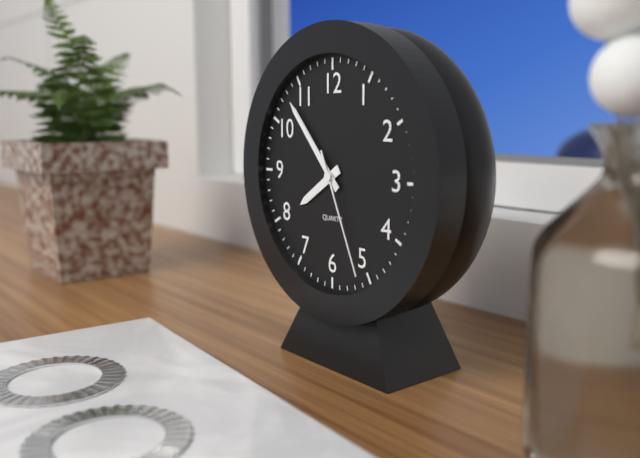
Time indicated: 7:53:26
